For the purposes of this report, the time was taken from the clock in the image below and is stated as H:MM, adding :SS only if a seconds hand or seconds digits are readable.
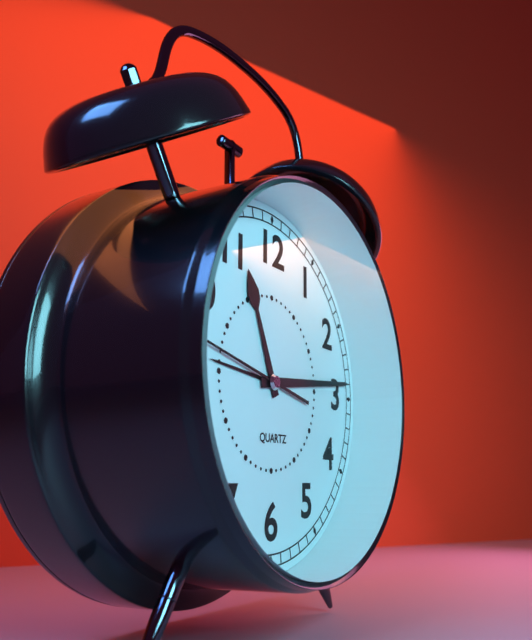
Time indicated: 11:14
